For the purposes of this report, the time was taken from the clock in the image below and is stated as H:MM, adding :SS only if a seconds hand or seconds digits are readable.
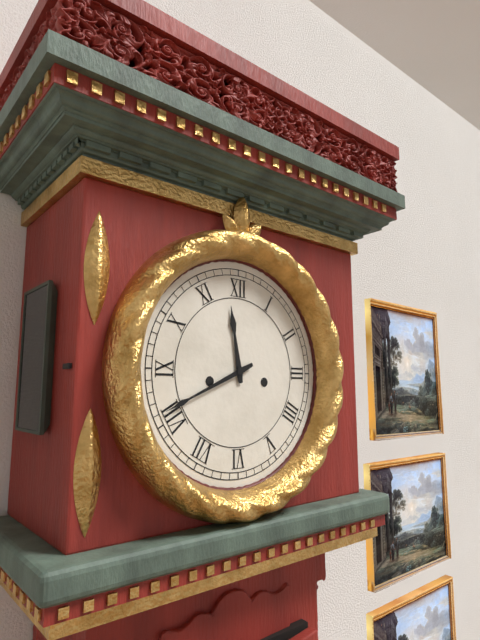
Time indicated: 11:41
